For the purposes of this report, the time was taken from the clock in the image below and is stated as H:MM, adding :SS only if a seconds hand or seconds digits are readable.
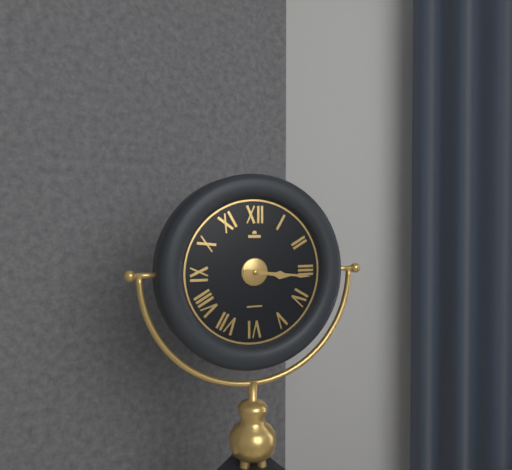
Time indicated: 3:16
